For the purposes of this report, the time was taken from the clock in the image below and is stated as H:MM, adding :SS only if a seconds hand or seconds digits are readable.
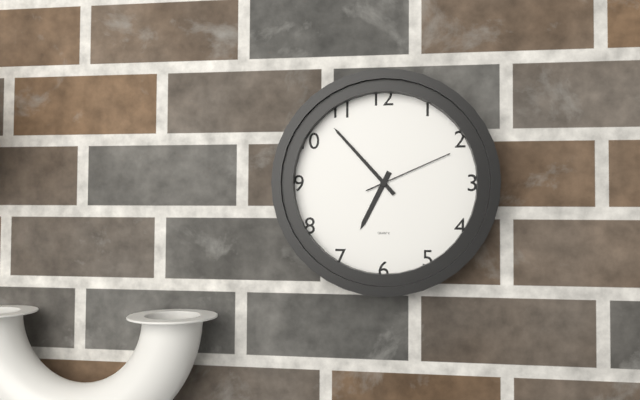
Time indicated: 6:53:11
